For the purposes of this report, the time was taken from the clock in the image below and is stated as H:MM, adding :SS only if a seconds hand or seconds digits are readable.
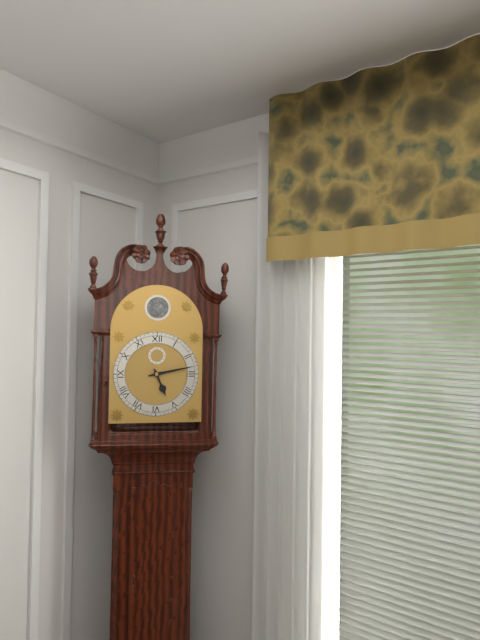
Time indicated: 5:13
